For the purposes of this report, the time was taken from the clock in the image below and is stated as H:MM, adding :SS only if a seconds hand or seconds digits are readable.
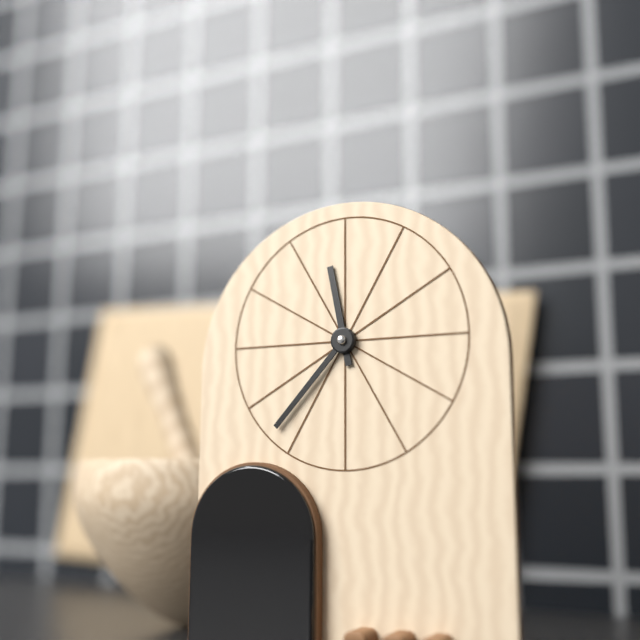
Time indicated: 11:37
